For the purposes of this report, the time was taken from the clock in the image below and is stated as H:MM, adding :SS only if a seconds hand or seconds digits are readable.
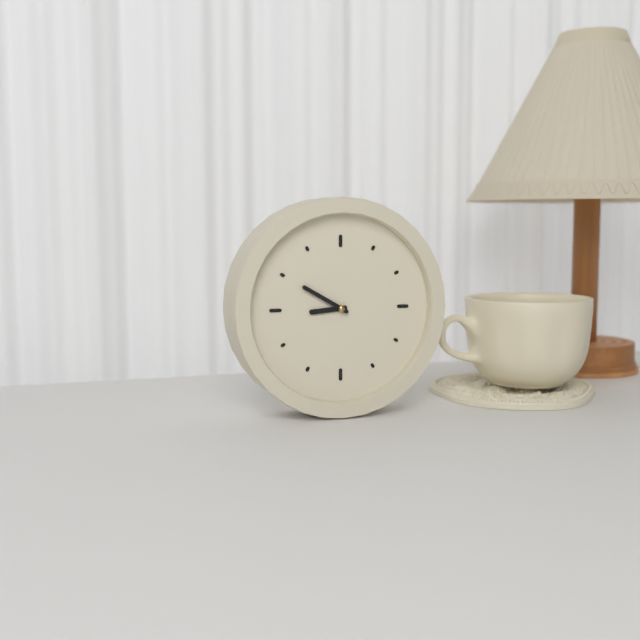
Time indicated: 8:50
